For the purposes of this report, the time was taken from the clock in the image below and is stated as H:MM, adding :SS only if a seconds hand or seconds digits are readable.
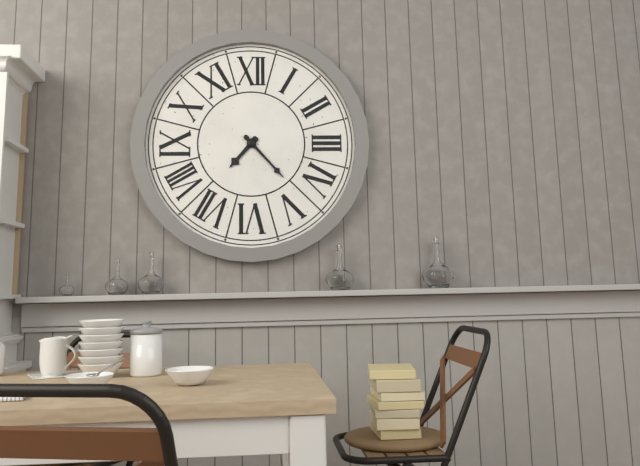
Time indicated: 7:23
